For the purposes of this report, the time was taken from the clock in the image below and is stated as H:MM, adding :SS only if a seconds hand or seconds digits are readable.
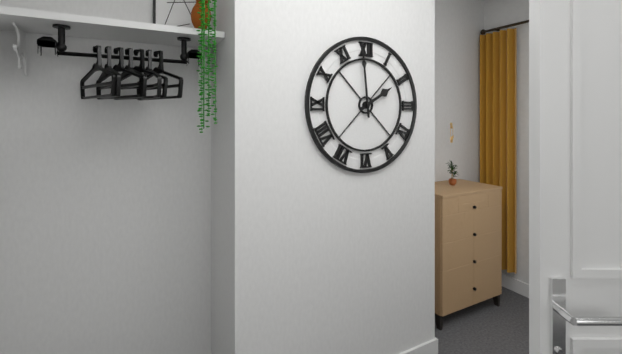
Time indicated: 1:59
